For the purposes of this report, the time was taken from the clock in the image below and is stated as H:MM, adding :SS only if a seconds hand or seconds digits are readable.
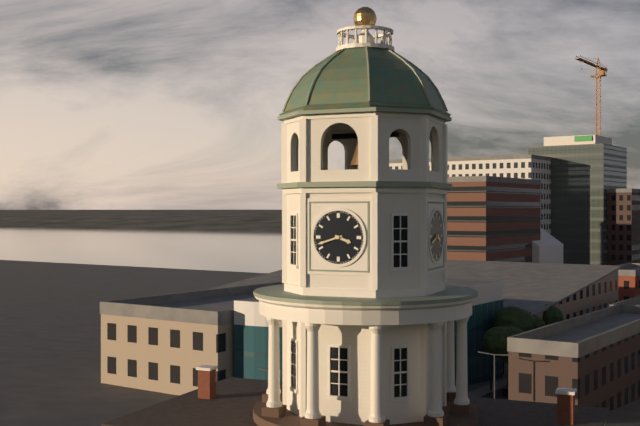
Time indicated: 3:42
